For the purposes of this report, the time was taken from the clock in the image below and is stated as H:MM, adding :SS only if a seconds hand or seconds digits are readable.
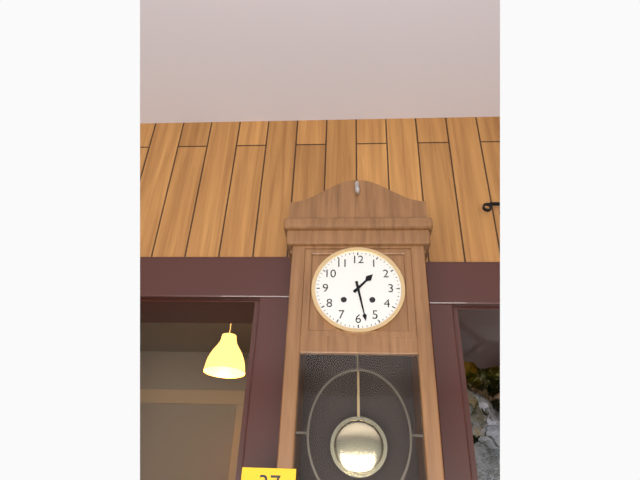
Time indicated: 1:28
